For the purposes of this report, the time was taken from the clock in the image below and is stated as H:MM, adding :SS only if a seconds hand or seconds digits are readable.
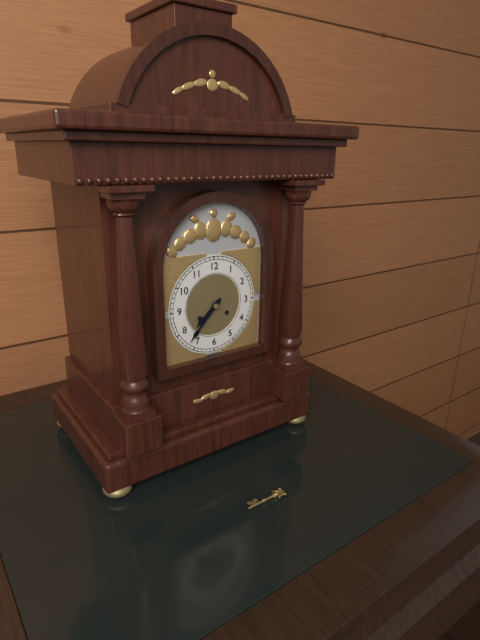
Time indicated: 7:37
